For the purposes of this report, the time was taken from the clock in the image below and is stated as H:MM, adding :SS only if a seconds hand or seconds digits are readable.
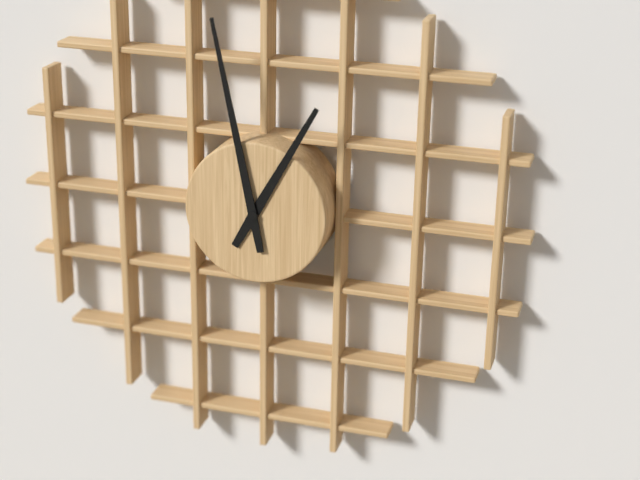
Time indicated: 12:58
